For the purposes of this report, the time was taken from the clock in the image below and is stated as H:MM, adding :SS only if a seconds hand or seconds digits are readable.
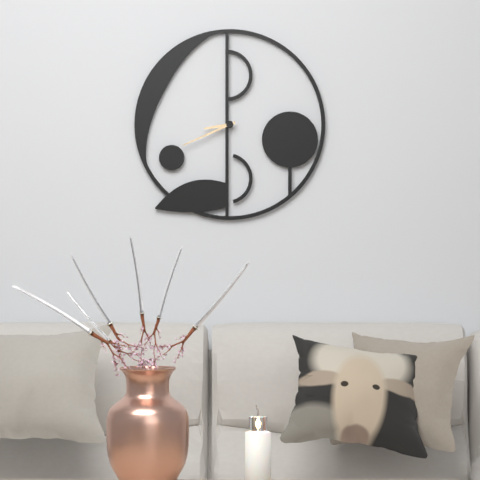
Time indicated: 8:41
